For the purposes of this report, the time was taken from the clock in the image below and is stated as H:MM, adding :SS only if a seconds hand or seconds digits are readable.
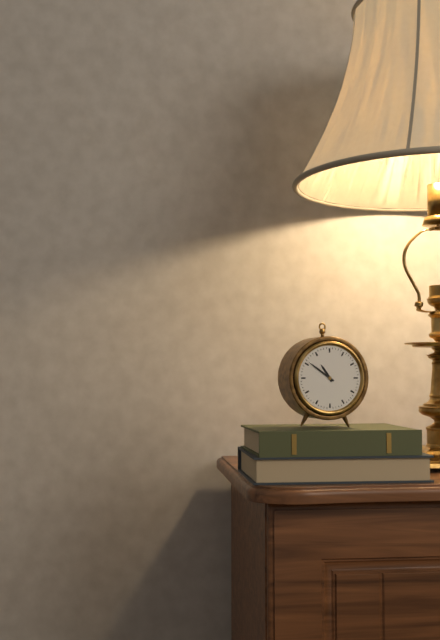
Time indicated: 10:51
